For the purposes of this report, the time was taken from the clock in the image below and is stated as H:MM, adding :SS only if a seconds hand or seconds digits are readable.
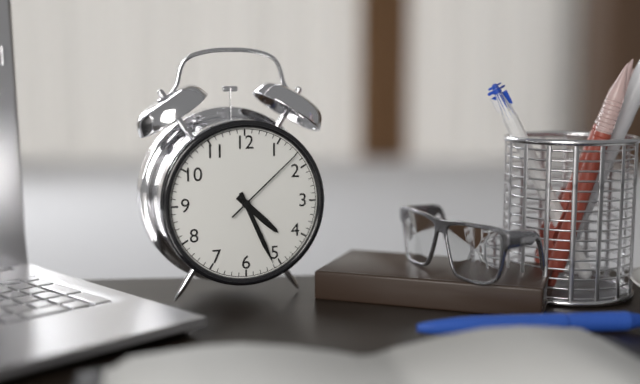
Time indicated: 4:26:08
